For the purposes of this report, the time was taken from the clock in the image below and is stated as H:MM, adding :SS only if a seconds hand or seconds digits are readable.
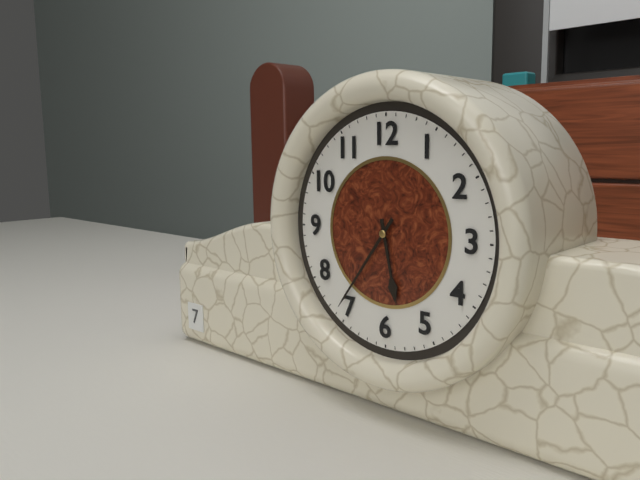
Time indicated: 5:36
